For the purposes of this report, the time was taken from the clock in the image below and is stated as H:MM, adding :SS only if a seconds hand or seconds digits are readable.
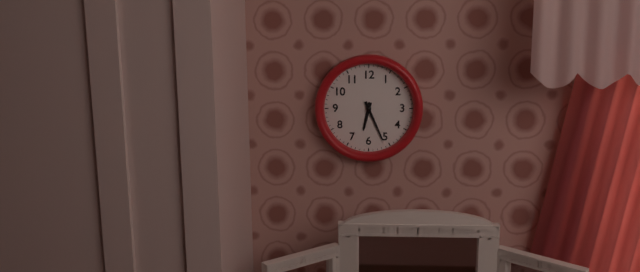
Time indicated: 6:26
